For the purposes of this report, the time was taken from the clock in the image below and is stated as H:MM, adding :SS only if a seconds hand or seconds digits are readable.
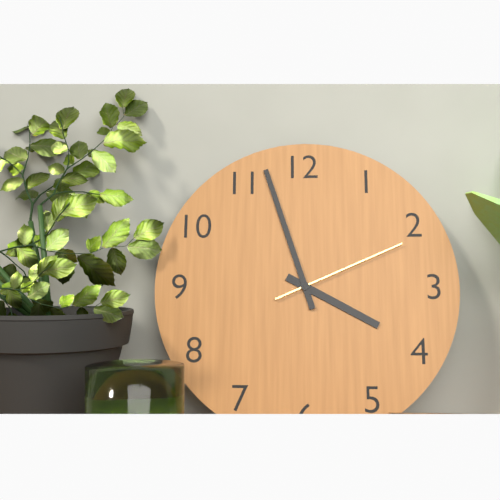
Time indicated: 3:57:11
